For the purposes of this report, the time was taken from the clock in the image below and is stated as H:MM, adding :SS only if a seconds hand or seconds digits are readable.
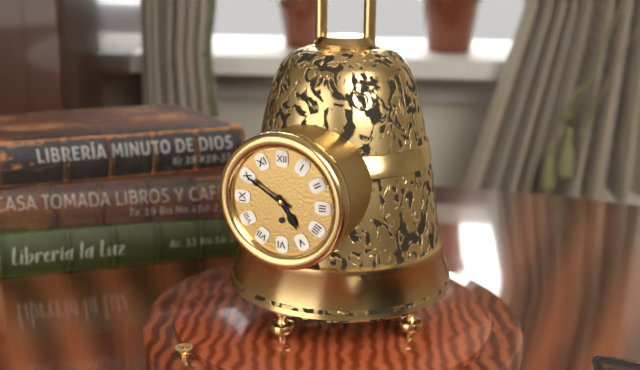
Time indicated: 4:50
